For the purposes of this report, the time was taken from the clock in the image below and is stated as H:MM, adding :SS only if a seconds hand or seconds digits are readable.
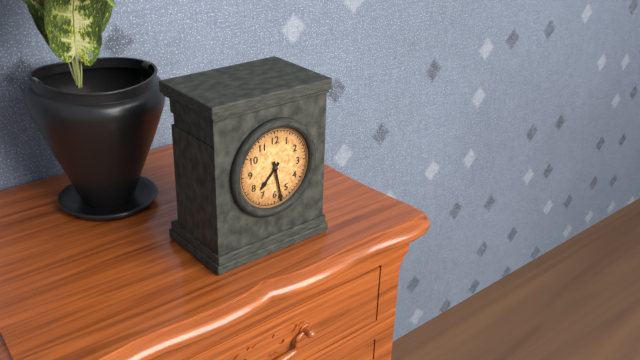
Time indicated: 7:28
